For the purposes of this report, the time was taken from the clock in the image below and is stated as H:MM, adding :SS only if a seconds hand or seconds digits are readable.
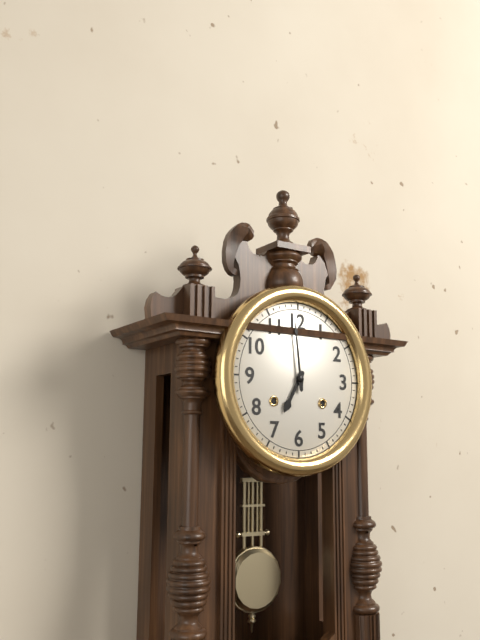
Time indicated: 6:59
